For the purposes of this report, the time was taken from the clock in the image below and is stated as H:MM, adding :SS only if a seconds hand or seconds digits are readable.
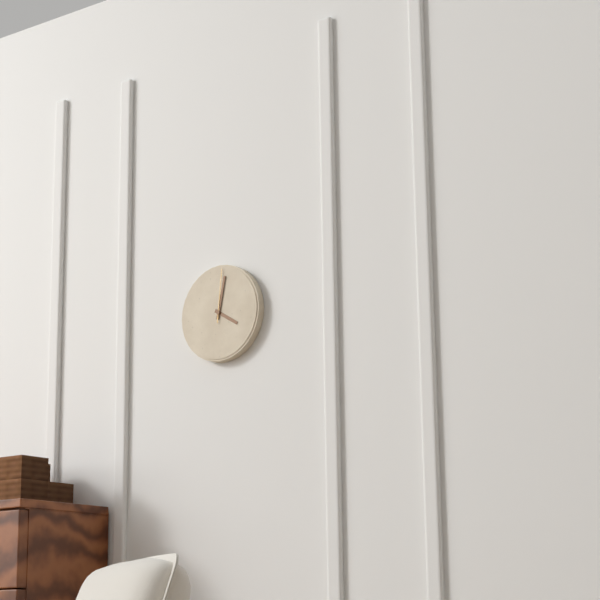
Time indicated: 4:02:01
